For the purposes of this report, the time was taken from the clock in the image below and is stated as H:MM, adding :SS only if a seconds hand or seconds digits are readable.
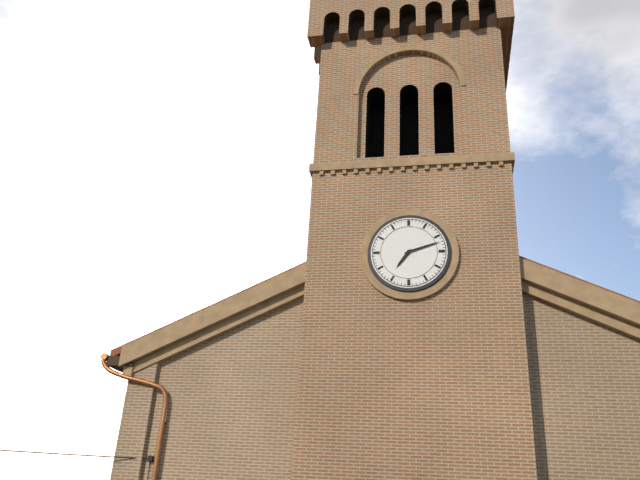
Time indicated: 7:12
